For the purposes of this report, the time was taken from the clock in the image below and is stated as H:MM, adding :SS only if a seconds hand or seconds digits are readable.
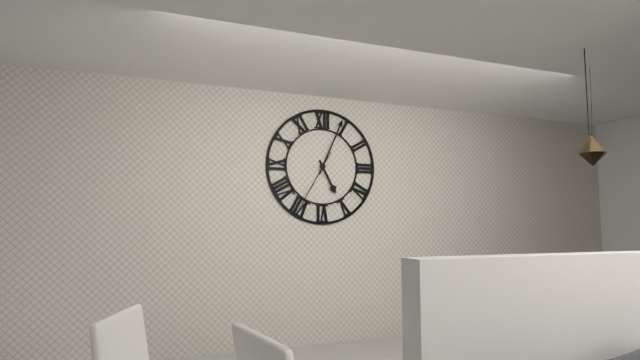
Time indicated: 5:04:35
